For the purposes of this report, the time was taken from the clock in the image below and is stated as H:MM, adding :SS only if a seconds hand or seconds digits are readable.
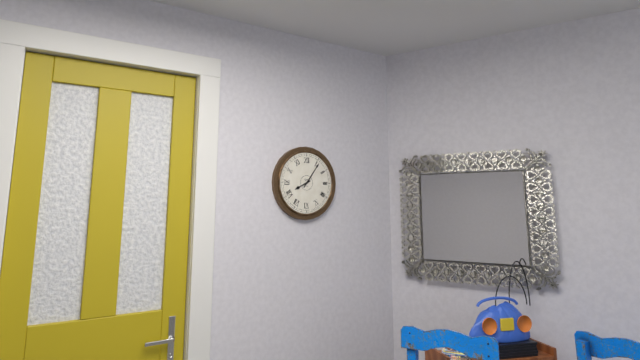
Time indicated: 8:06
